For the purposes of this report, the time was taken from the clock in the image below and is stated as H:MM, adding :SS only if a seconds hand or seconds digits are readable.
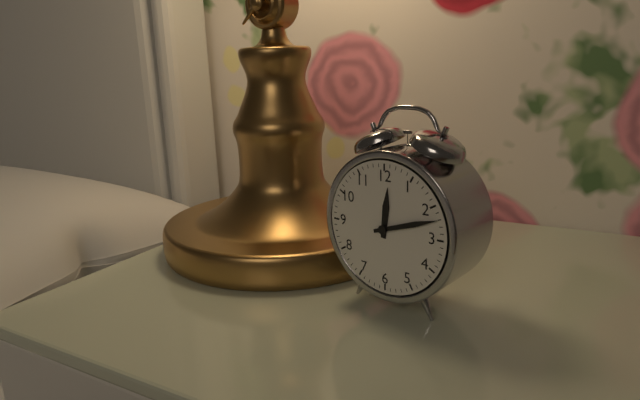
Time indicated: 12:12
